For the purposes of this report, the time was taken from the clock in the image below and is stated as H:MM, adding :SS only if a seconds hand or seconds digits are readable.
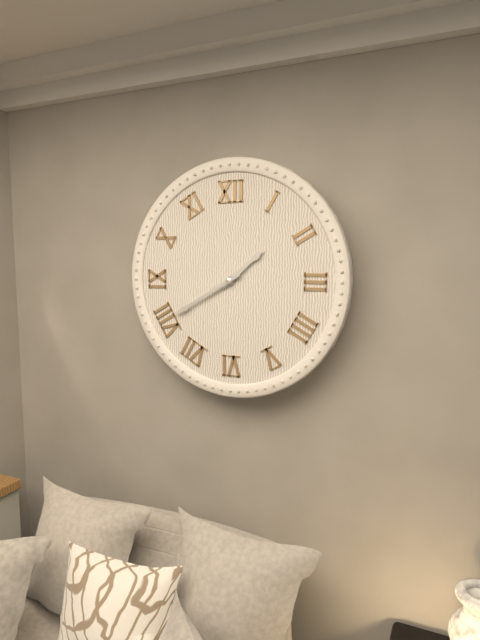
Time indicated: 1:40
